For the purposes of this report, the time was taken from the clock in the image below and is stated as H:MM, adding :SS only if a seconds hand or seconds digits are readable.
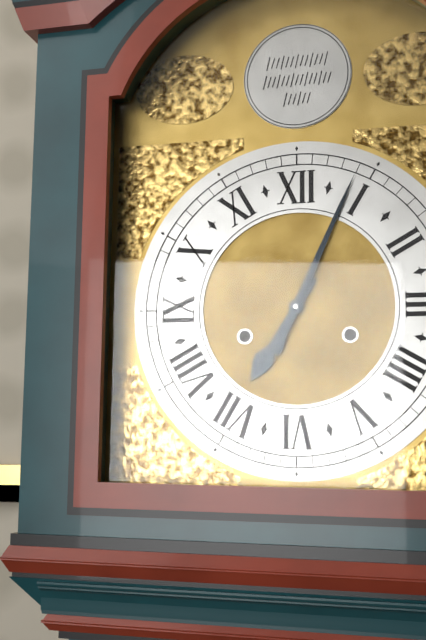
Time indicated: 7:04
